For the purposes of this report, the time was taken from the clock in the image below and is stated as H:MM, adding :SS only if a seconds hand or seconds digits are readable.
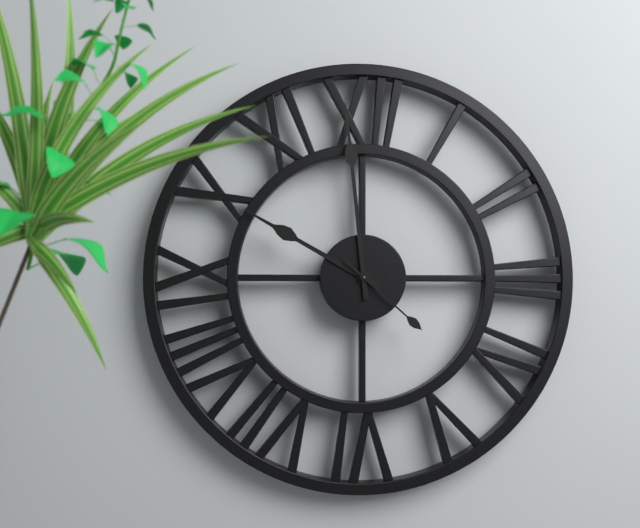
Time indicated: 9:59:22
